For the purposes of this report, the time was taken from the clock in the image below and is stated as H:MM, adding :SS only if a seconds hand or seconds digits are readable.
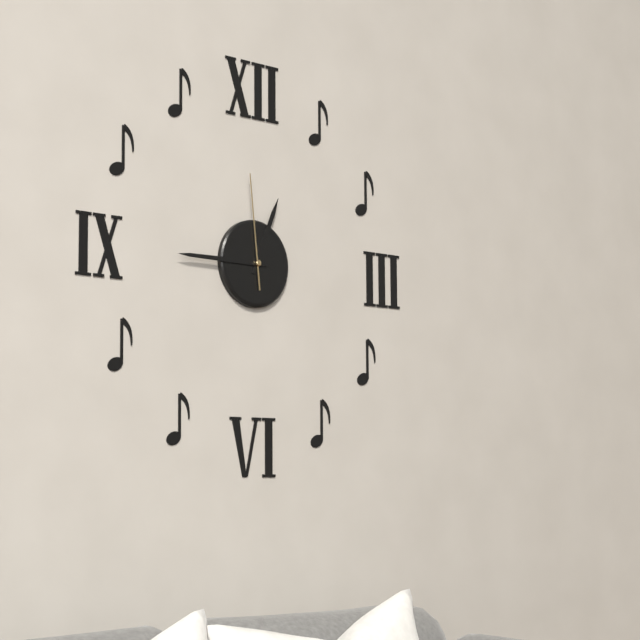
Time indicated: 12:45:59
